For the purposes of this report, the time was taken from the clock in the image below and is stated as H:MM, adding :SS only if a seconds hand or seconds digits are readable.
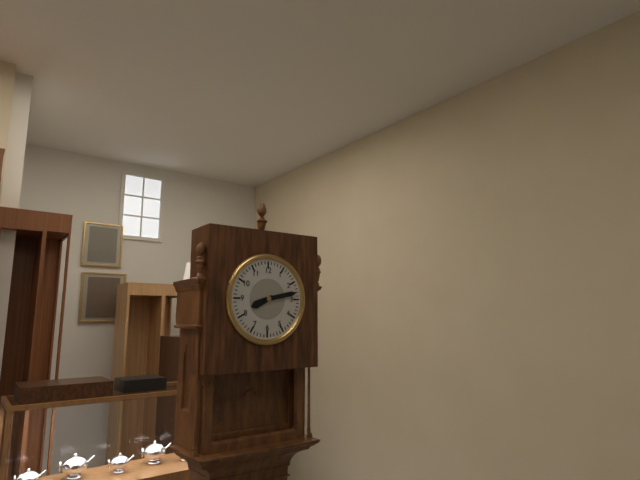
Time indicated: 8:13
